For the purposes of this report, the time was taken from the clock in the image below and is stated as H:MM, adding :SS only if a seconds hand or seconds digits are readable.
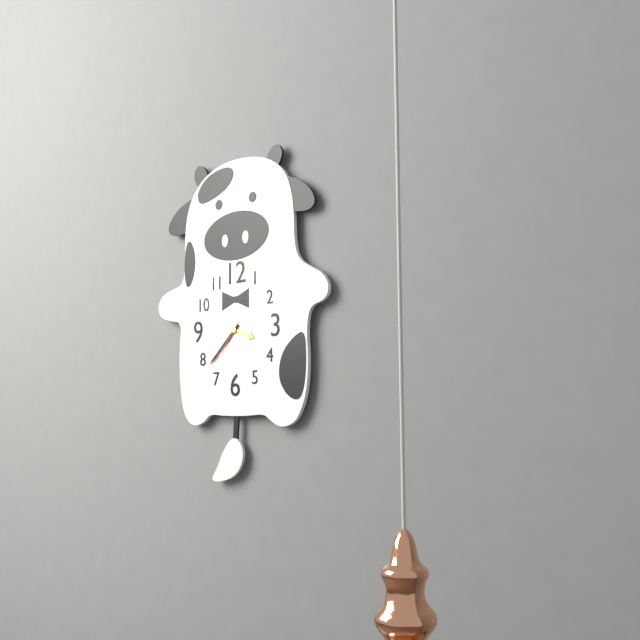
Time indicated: 3:38
